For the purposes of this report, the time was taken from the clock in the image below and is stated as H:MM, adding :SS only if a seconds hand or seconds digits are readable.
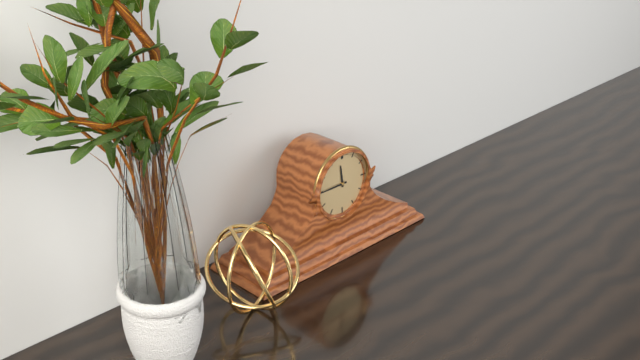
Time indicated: 11:45
